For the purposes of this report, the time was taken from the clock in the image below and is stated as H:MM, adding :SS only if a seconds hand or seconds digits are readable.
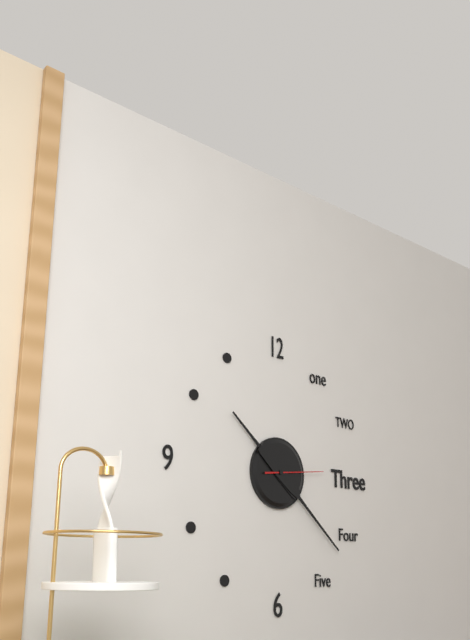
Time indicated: 10:22:14
